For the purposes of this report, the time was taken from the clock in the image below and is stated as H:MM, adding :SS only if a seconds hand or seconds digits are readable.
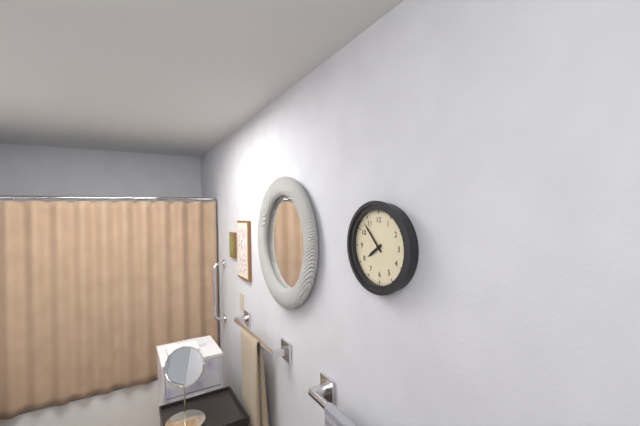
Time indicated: 7:53
